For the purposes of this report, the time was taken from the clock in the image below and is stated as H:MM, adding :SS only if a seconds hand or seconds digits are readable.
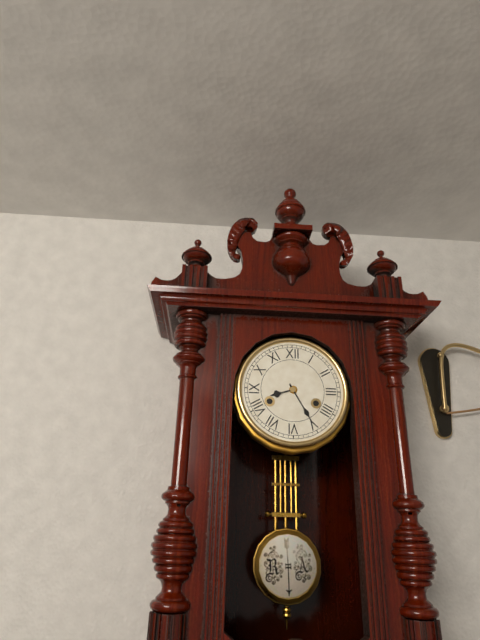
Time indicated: 8:25
